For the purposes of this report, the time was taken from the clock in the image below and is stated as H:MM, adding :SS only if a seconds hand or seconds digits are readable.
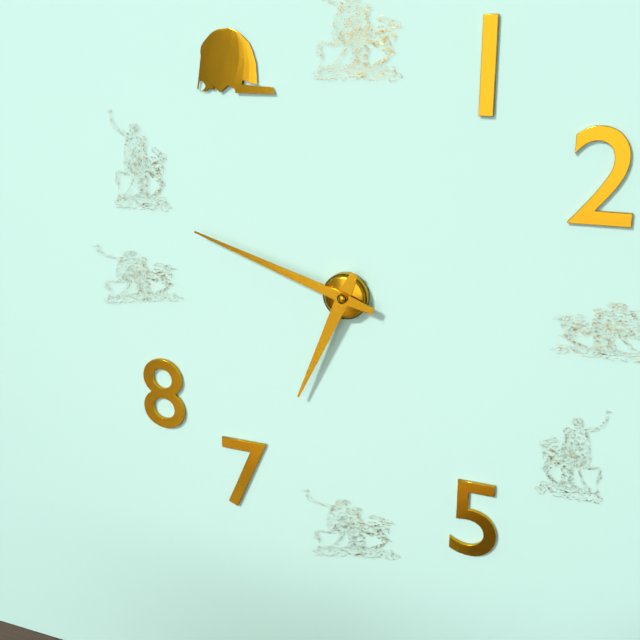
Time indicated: 6:48
